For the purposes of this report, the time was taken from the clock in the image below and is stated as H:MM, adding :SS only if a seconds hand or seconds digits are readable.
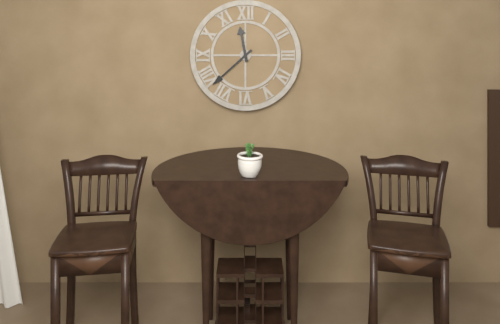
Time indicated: 11:38
